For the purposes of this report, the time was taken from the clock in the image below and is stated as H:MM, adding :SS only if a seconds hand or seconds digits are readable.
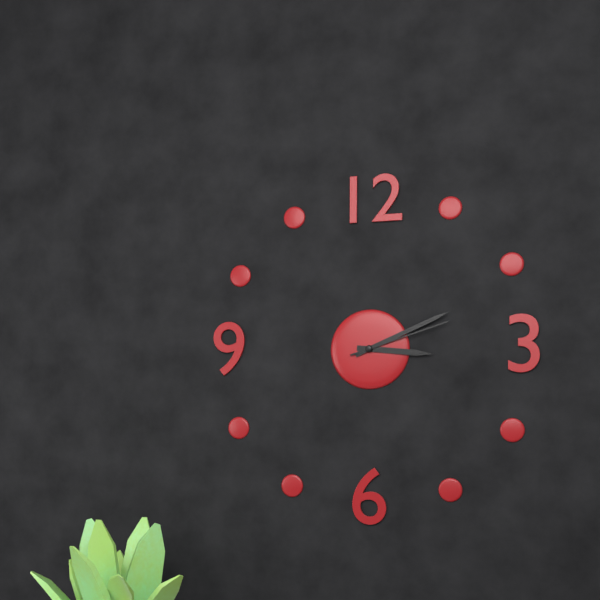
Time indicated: 3:11:12
